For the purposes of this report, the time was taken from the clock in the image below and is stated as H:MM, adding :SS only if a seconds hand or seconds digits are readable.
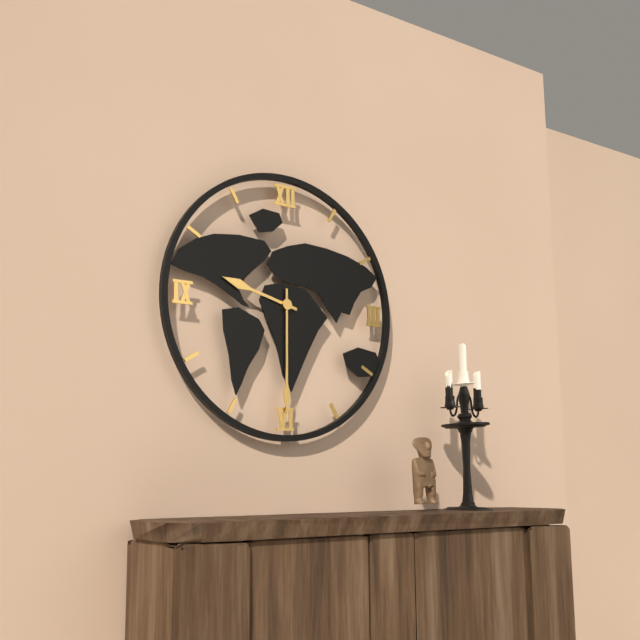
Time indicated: 9:30
